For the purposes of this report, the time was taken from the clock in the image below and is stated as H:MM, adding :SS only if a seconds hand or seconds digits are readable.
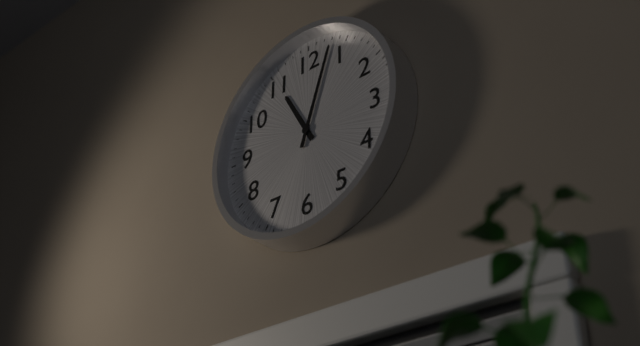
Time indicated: 11:03
